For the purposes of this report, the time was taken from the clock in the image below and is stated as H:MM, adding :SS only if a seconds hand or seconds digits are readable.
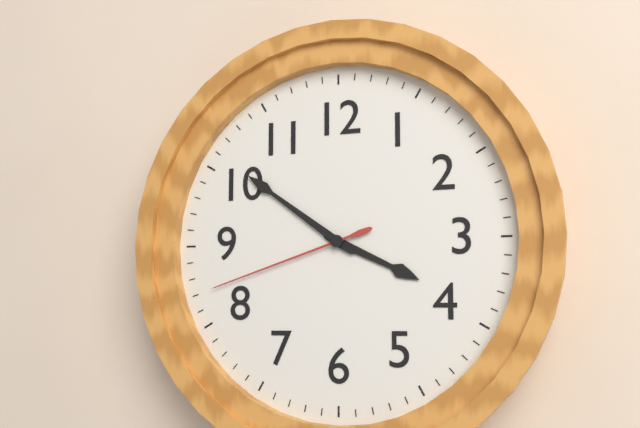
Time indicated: 3:51:42
